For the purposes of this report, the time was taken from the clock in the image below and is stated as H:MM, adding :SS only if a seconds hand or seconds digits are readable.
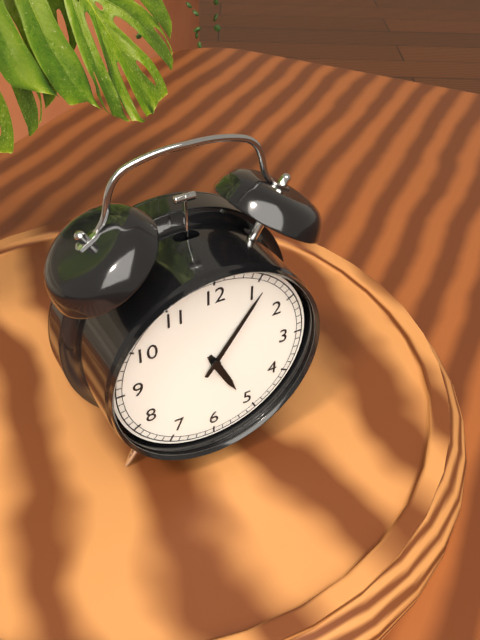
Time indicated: 5:06
